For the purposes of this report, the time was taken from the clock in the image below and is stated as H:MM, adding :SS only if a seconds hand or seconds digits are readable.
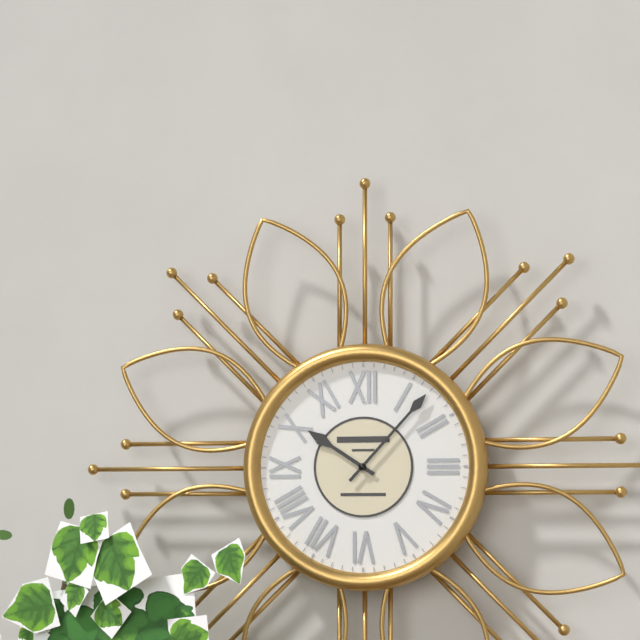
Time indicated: 10:07
